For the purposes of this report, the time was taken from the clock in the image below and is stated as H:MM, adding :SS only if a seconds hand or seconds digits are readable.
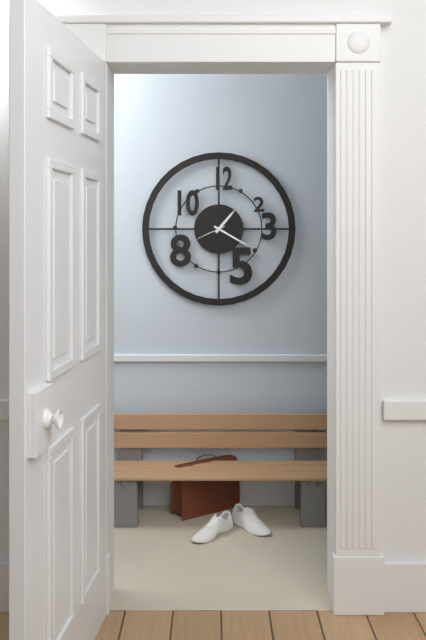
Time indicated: 1:20
